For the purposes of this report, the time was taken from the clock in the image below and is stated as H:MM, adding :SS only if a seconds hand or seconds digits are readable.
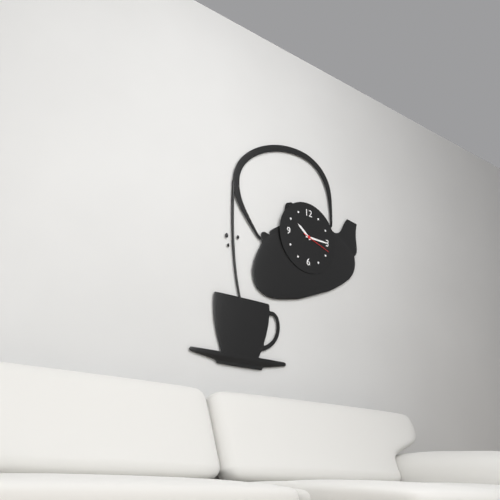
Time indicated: 10:15
